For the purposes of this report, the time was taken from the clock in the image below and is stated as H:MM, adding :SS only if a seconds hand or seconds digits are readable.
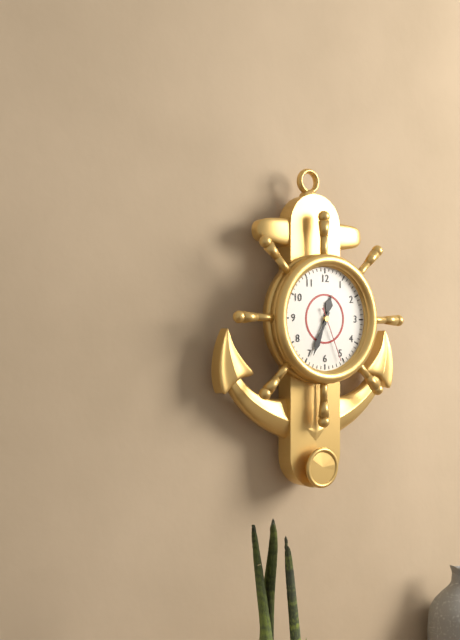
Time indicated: 12:34:26
